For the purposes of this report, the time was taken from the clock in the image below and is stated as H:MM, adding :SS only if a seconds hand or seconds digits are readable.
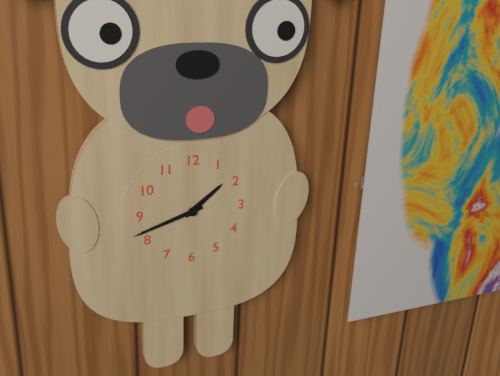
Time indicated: 1:42
